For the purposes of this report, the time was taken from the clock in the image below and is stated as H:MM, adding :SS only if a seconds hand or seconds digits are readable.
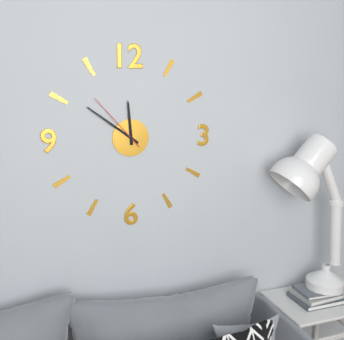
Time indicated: 11:51:53
